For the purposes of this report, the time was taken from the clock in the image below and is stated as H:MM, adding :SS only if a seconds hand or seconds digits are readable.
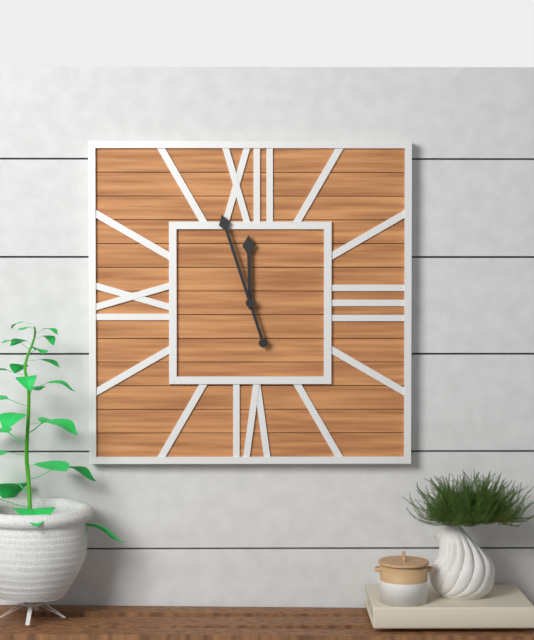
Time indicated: 11:57
